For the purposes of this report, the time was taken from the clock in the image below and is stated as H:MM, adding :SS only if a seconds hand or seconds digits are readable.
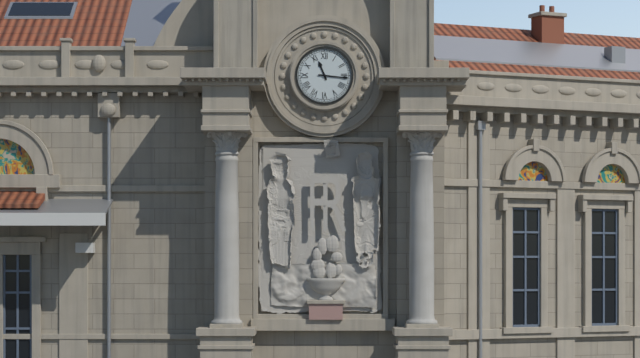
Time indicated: 11:16
